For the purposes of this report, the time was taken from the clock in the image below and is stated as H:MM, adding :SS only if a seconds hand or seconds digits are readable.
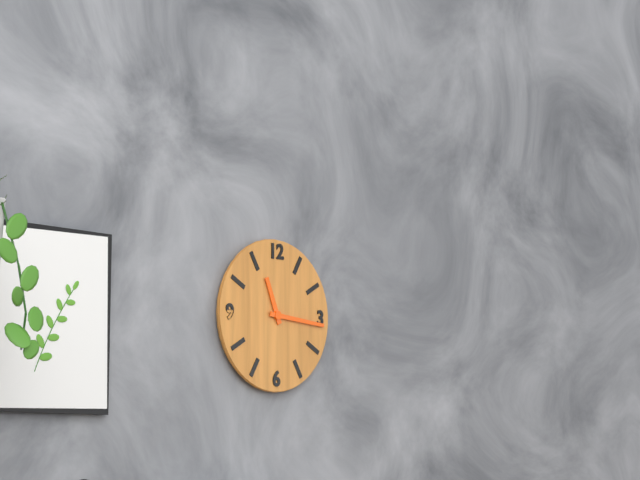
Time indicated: 11:16
